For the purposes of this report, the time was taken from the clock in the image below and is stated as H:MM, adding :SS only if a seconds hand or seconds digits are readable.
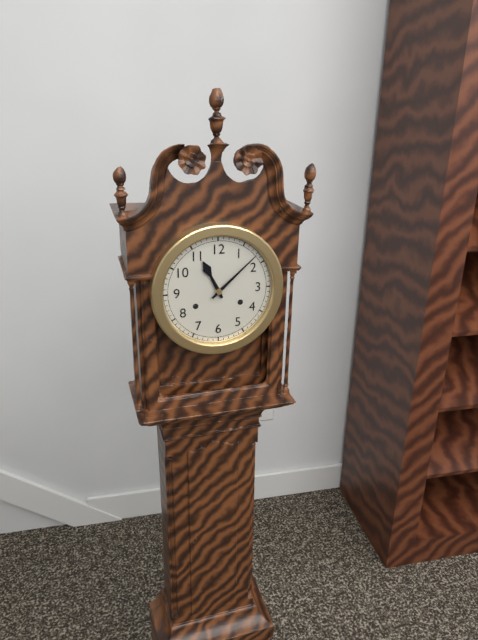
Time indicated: 11:08
